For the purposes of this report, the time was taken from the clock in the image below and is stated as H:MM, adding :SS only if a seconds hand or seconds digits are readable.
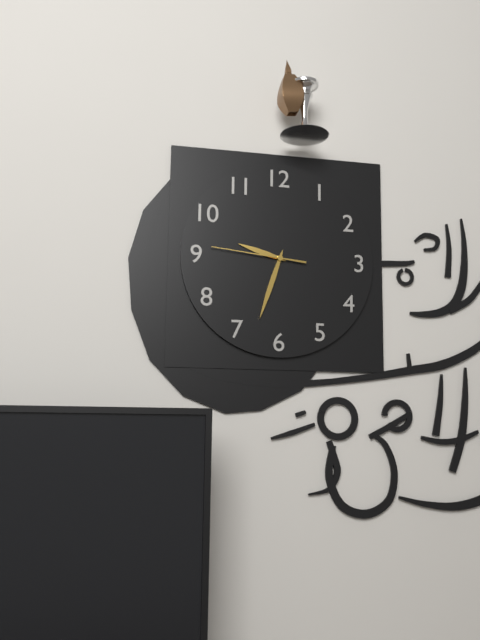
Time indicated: 9:33:46
